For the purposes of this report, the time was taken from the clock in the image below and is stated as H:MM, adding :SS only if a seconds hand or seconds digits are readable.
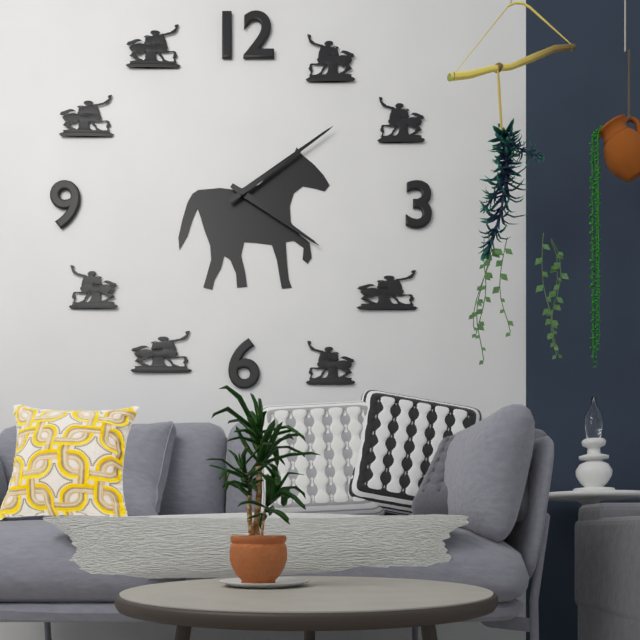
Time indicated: 4:09
